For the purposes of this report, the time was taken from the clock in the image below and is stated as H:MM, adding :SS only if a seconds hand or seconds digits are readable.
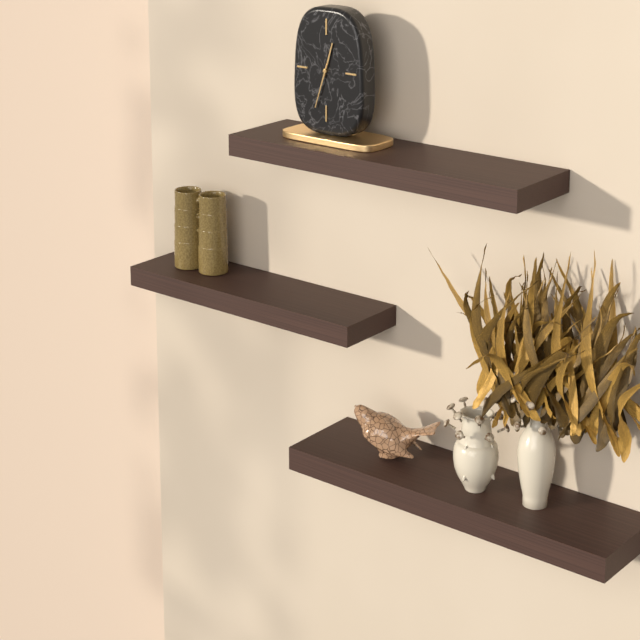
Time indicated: 12:33
